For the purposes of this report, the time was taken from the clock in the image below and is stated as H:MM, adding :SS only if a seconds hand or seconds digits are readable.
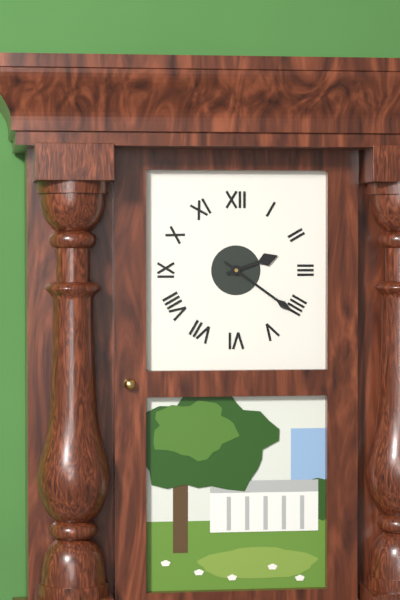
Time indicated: 2:21
